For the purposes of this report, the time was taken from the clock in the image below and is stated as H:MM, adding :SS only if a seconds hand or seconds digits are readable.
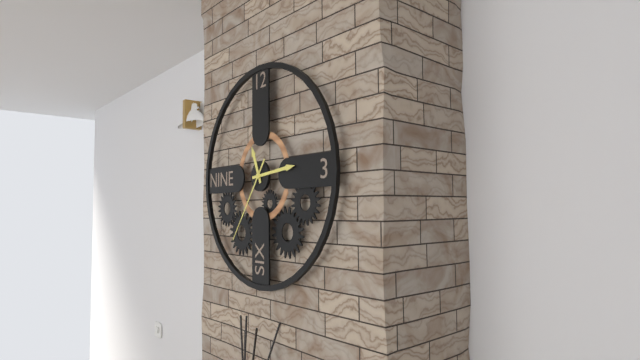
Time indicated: 11:14:36
